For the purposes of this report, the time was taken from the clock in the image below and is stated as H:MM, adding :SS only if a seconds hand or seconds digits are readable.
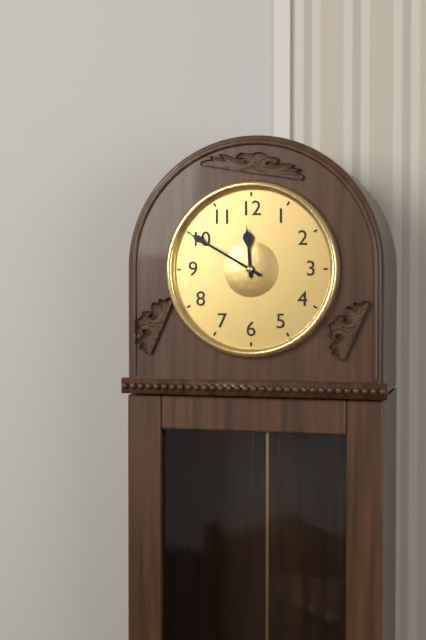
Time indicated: 11:50
